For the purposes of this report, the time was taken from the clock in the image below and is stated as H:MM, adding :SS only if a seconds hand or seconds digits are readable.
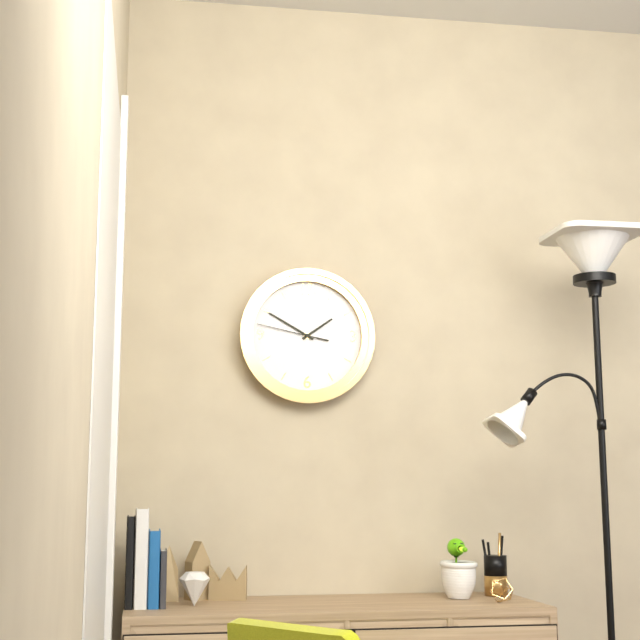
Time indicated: 1:50:47
